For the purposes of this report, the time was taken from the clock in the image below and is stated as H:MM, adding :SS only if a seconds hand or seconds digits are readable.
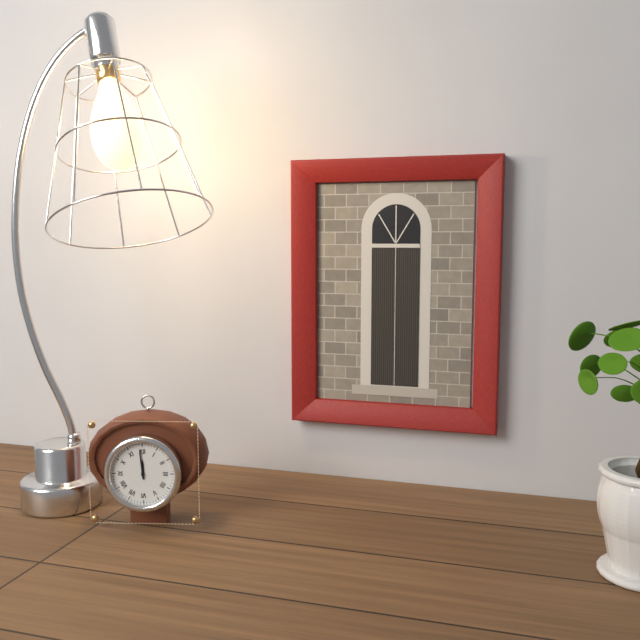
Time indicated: 11:59
